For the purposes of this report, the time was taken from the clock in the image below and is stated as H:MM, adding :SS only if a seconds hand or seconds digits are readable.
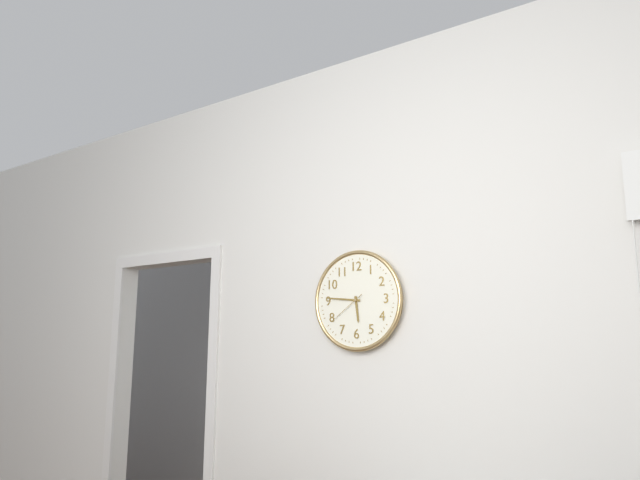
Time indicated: 5:46
